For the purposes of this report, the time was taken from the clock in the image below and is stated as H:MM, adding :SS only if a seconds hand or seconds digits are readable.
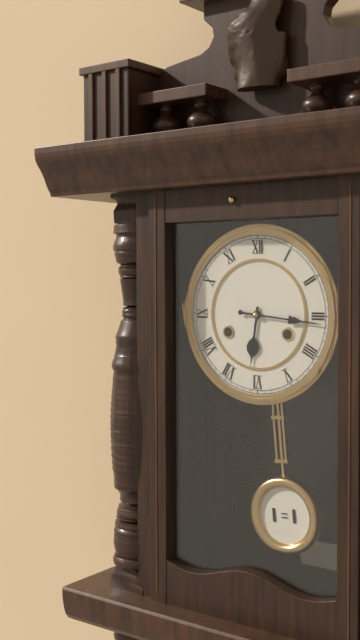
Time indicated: 6:16
